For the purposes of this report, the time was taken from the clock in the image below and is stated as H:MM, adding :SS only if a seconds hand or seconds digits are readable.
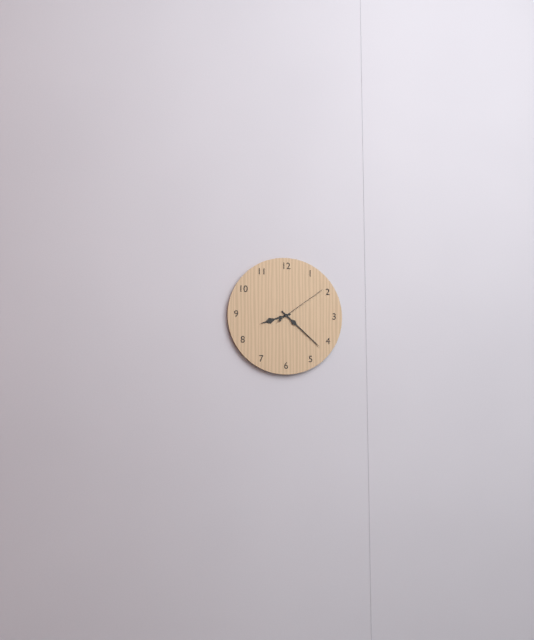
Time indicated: 8:22:09
